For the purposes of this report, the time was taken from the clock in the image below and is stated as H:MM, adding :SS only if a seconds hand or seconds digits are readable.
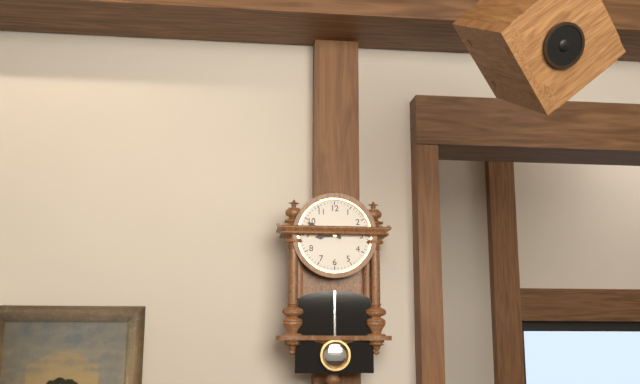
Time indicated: 8:49
